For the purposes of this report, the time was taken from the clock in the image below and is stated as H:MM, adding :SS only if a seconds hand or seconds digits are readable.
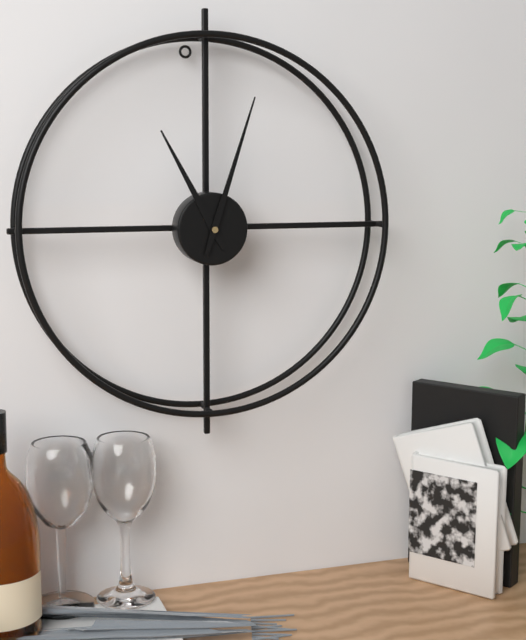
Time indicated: 11:03
